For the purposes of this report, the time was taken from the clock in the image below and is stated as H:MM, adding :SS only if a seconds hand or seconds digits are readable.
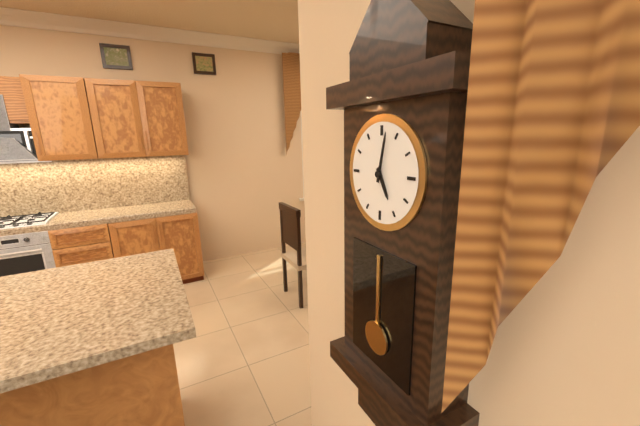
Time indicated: 5:02
